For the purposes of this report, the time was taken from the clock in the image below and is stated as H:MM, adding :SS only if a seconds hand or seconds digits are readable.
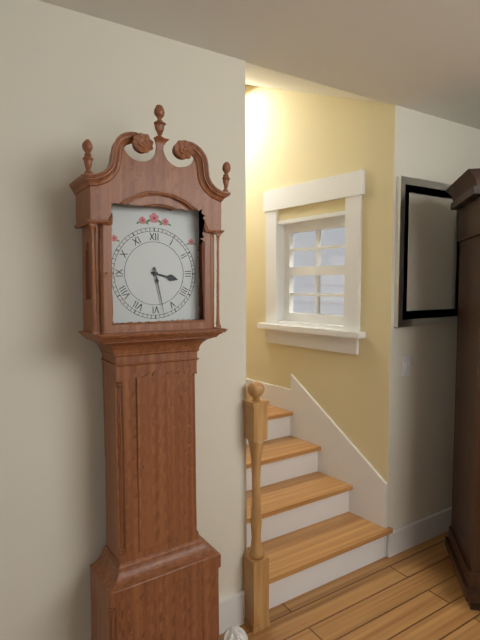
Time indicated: 3:28
